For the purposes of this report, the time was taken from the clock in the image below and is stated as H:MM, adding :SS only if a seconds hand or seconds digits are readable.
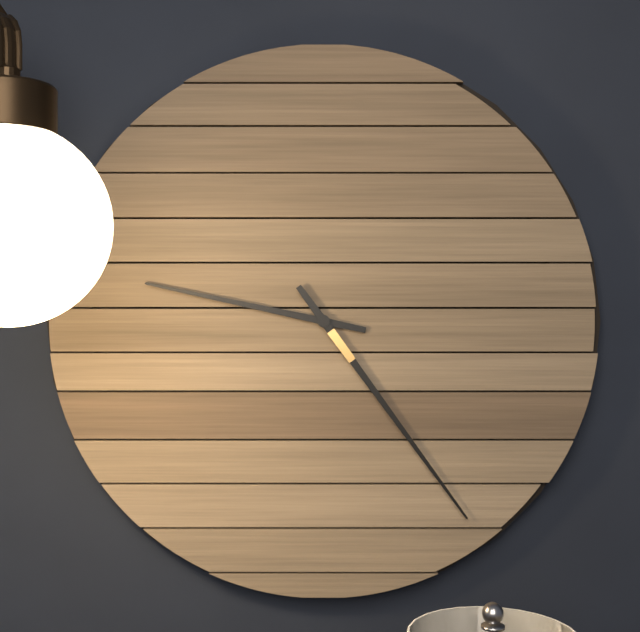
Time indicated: 9:24
